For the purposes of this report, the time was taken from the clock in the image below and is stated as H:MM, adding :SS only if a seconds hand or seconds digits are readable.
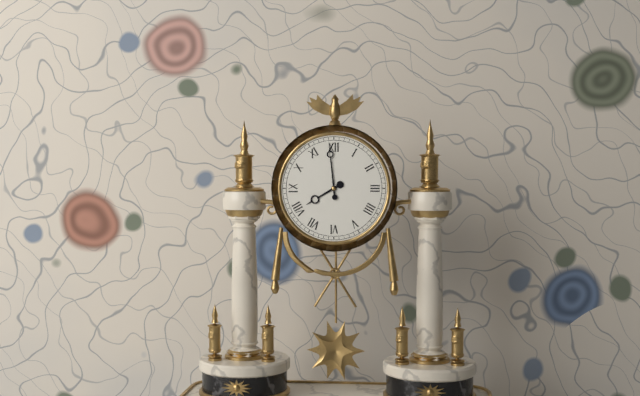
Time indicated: 7:59
